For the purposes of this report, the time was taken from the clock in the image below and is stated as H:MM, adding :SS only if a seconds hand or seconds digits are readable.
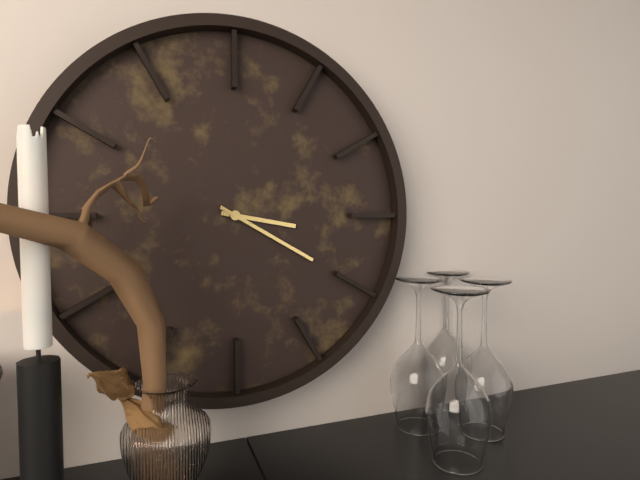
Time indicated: 3:20
